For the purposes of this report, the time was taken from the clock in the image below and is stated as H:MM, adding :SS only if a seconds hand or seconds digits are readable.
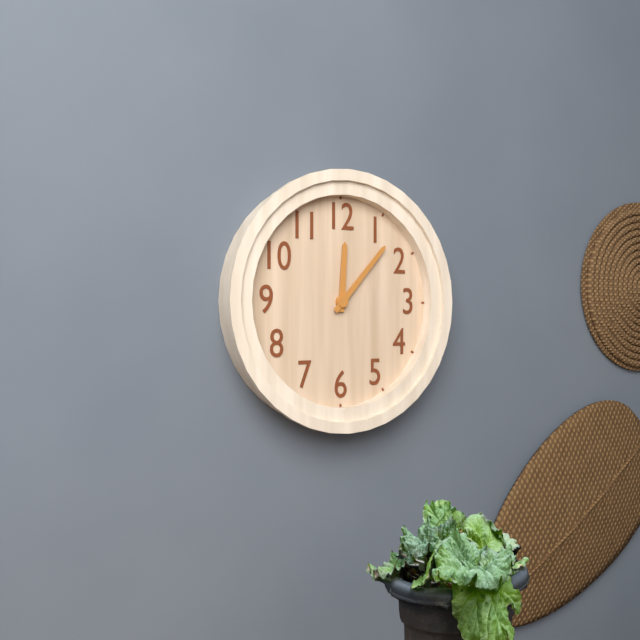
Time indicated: 12:07
